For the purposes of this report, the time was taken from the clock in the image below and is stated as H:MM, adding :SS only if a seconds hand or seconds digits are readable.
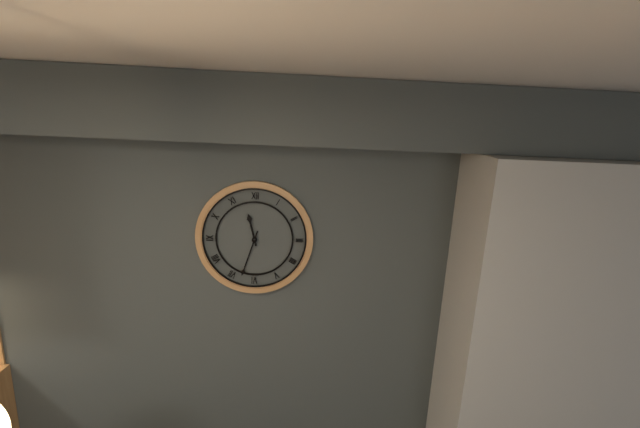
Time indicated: 11:33
